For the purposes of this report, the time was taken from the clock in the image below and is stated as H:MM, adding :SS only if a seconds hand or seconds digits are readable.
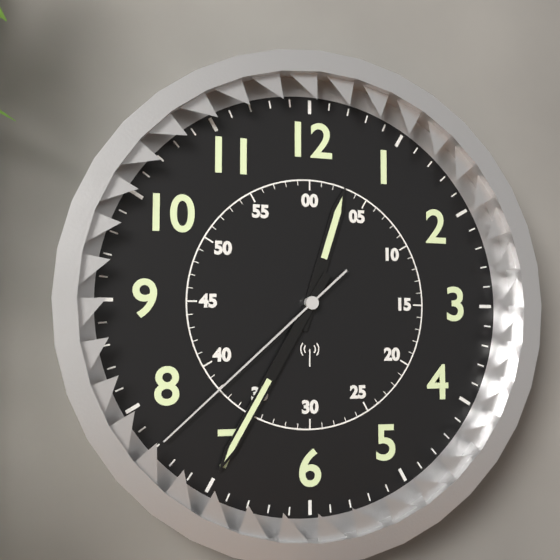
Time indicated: 12:35:38
